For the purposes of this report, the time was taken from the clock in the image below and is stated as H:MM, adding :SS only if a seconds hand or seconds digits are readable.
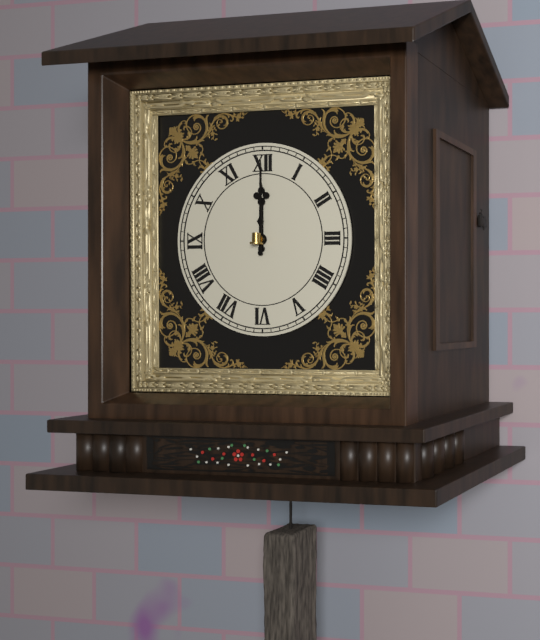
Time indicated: 12:00
